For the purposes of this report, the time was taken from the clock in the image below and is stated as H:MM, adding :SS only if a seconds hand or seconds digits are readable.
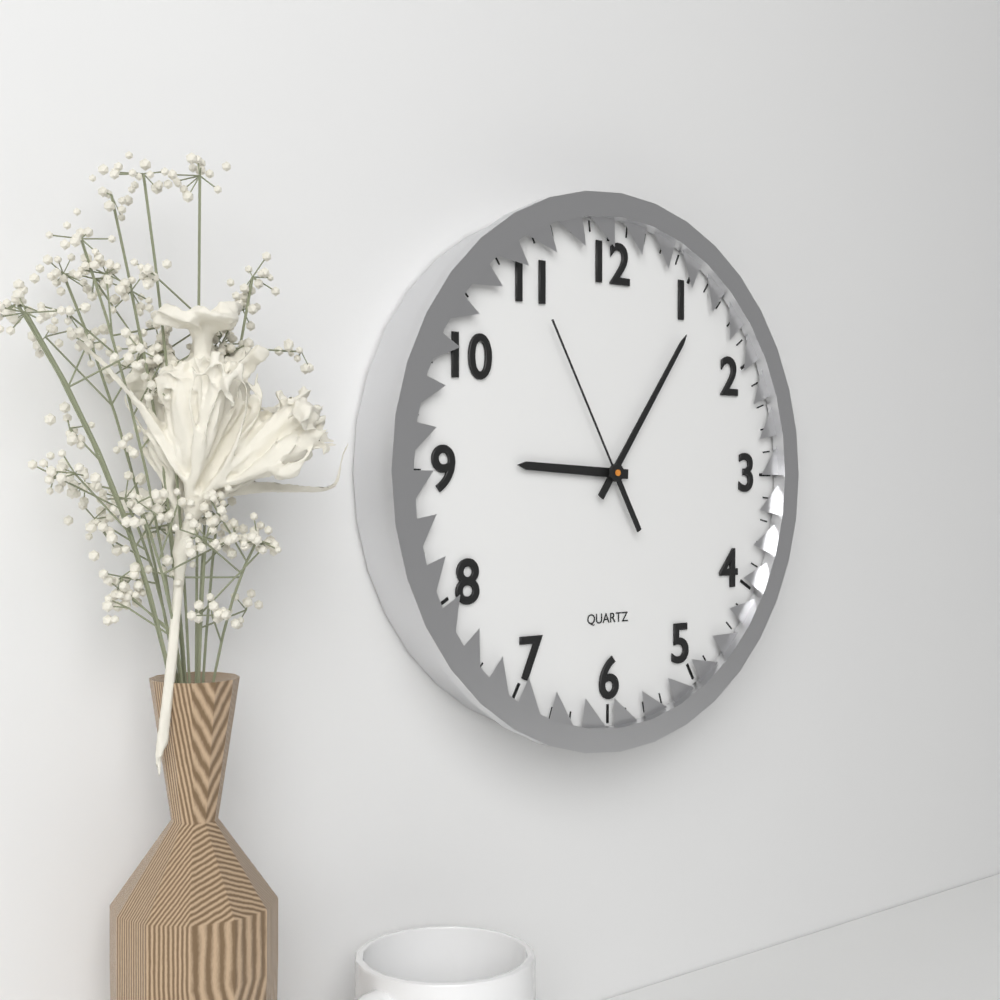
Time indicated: 9:06:55
